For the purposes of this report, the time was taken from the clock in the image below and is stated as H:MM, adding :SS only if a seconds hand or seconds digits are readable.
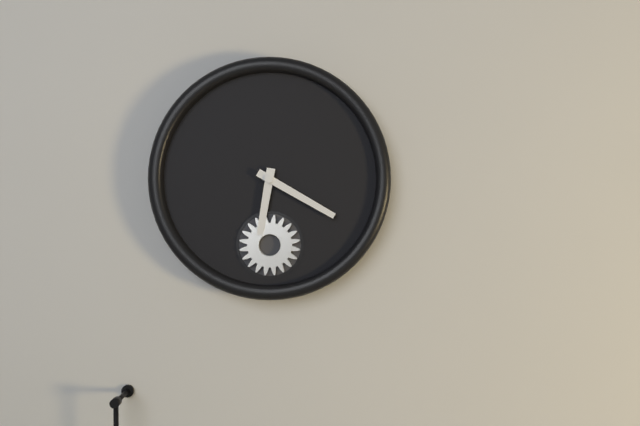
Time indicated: 6:20
